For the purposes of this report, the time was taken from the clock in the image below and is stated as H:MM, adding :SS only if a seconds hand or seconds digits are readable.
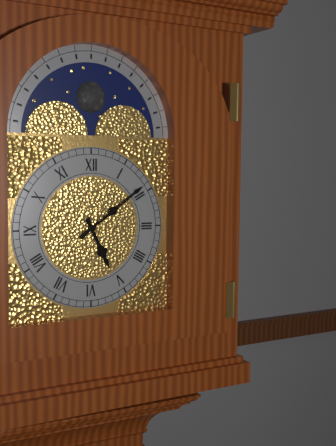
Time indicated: 5:09
